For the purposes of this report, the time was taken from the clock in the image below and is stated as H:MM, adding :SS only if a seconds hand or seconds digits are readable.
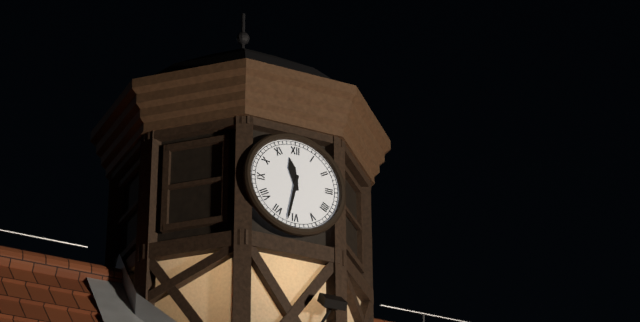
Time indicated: 11:32
